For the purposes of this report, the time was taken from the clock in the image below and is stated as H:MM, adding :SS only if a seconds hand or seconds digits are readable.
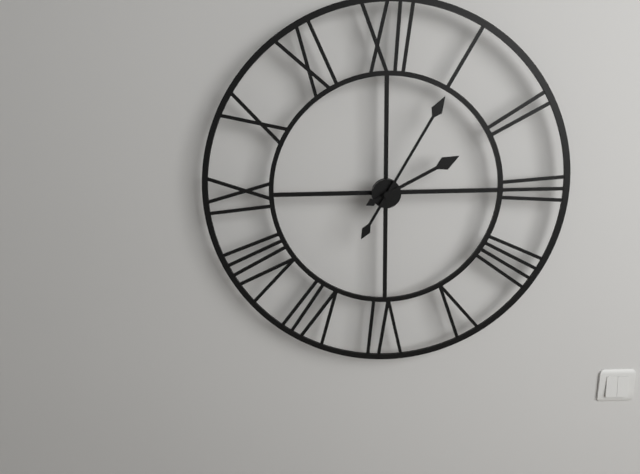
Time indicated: 2:05
